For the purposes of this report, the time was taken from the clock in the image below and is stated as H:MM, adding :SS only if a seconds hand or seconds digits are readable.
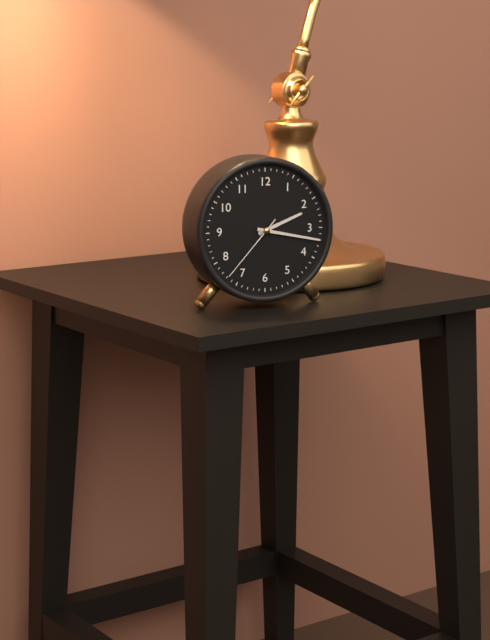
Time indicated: 2:17:37
